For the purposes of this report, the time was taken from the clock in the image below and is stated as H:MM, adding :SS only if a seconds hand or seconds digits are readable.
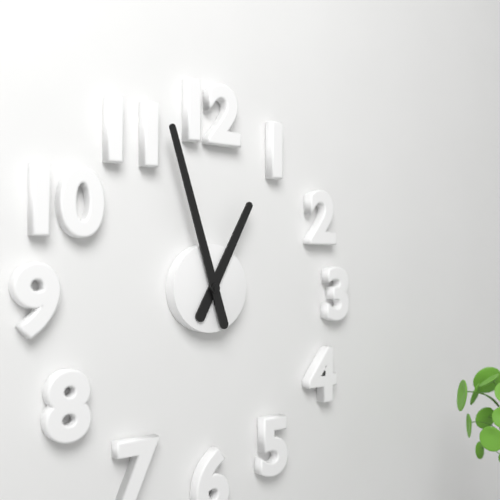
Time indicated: 12:57
